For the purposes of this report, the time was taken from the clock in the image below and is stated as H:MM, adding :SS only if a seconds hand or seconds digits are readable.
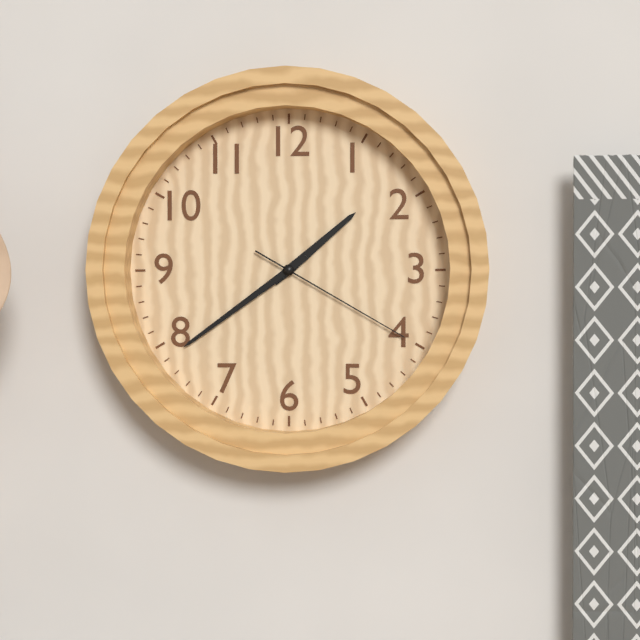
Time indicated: 1:39:20
